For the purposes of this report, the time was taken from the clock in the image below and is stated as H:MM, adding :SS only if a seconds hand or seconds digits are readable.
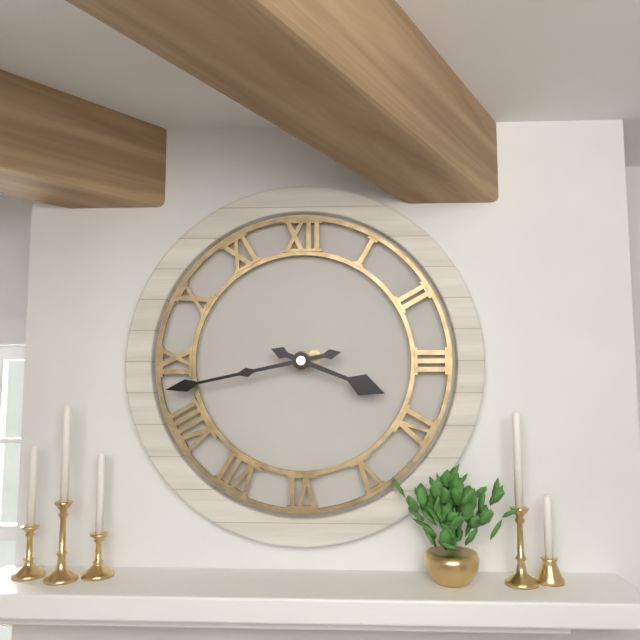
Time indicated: 3:43
